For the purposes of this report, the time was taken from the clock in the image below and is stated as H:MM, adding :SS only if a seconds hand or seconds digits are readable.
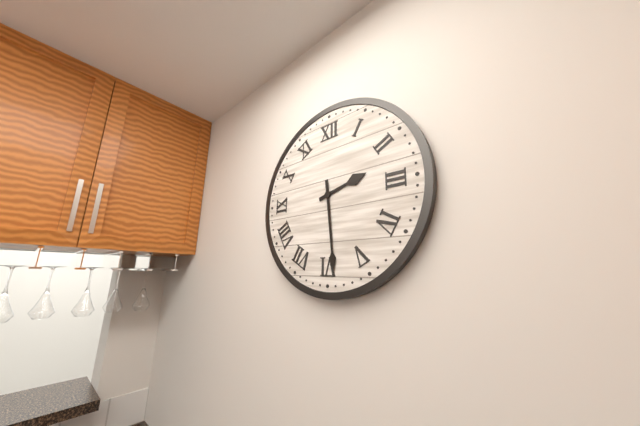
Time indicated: 2:29
